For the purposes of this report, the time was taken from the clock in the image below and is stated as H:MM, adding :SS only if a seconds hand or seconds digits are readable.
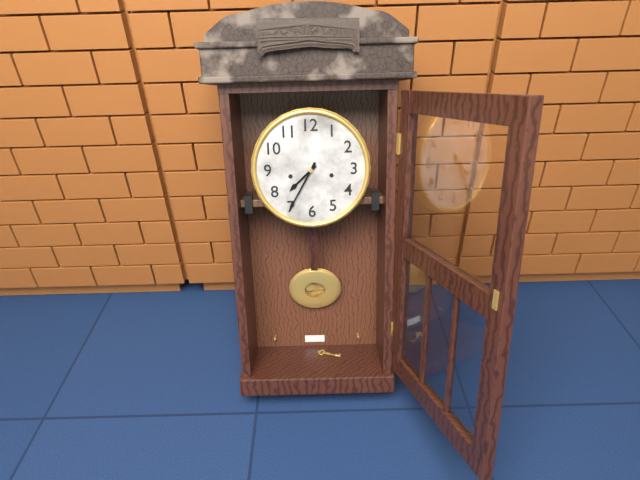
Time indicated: 7:35
